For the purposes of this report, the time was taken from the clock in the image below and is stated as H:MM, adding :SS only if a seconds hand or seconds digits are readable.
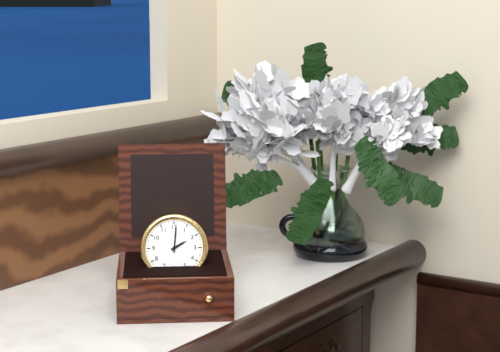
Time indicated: 2:01
